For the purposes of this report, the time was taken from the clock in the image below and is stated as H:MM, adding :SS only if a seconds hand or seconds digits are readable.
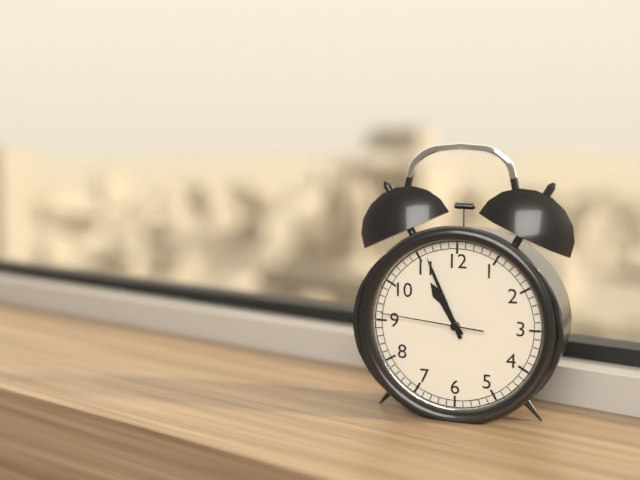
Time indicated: 10:56:46
